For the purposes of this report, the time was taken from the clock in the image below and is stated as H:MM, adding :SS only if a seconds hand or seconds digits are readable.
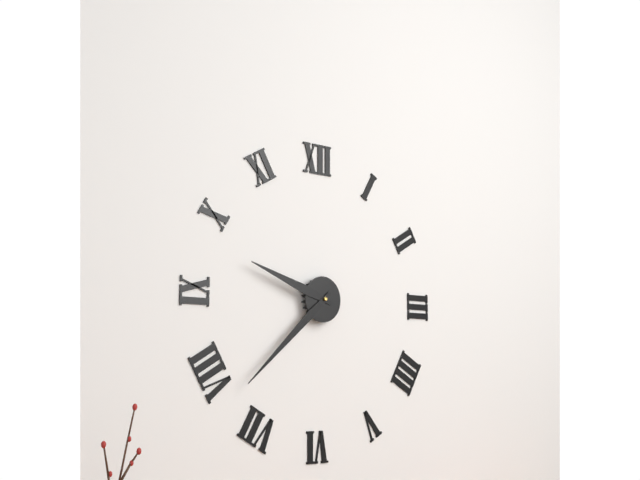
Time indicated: 9:38
